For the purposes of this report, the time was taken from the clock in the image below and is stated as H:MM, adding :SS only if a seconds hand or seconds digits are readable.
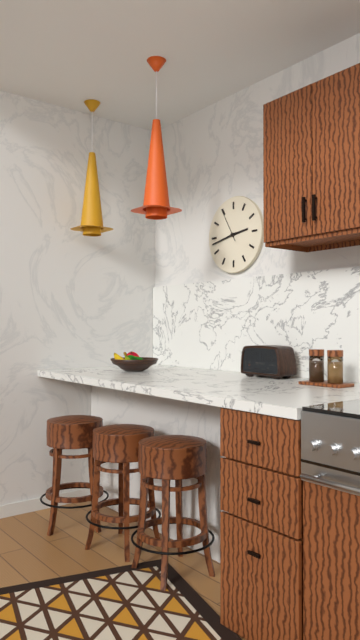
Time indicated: 2:43
